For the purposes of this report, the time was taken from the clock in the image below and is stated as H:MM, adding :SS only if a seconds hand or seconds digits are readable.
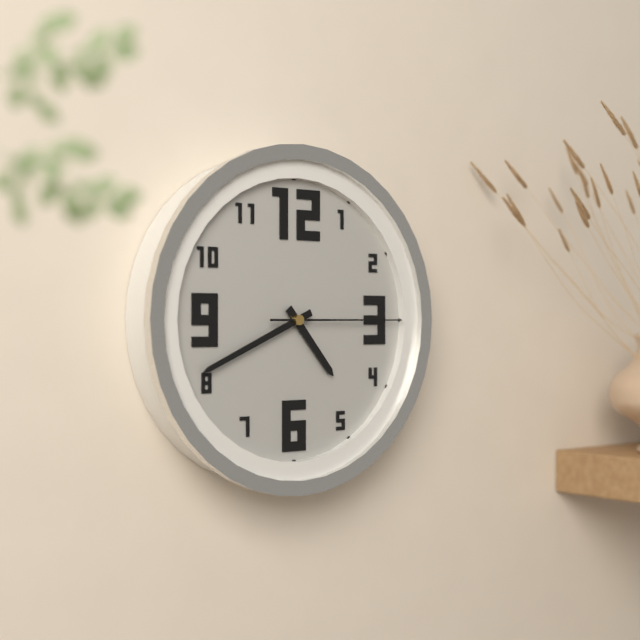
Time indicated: 4:41:15
